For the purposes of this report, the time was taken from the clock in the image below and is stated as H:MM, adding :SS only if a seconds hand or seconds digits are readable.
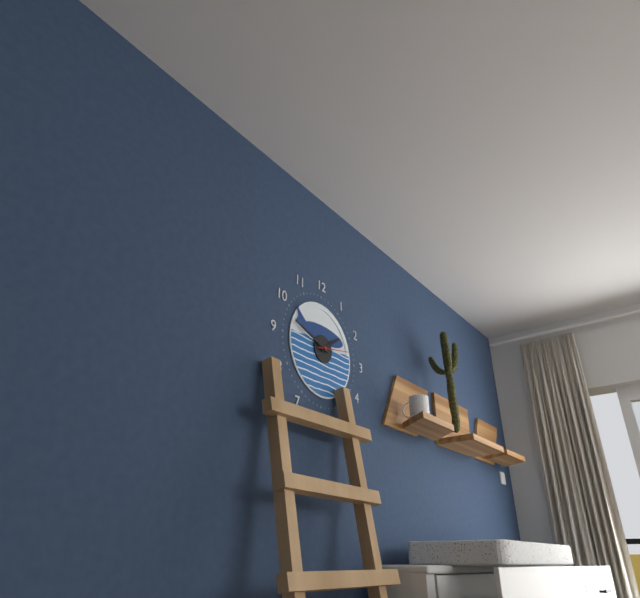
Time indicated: 1:48
